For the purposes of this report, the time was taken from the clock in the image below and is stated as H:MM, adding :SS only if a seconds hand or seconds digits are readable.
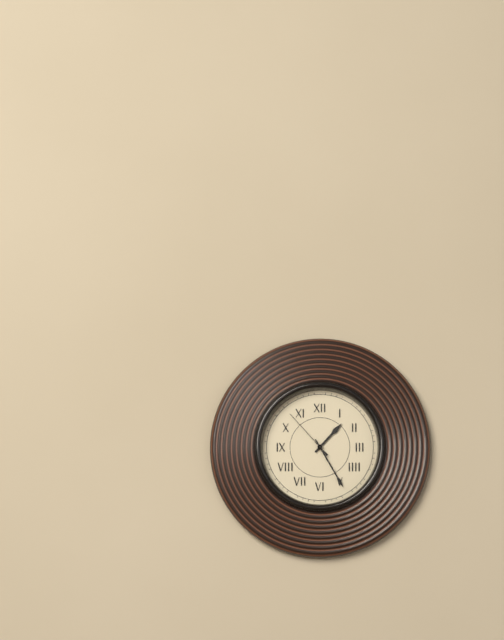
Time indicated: 1:25:53
